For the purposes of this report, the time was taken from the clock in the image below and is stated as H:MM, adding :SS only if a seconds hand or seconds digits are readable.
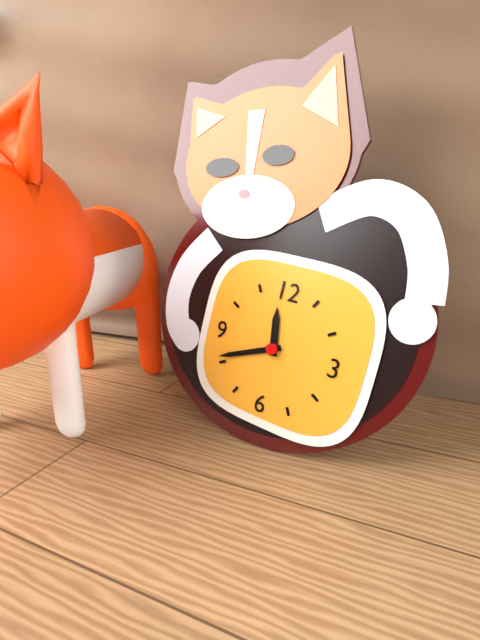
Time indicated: 11:41
